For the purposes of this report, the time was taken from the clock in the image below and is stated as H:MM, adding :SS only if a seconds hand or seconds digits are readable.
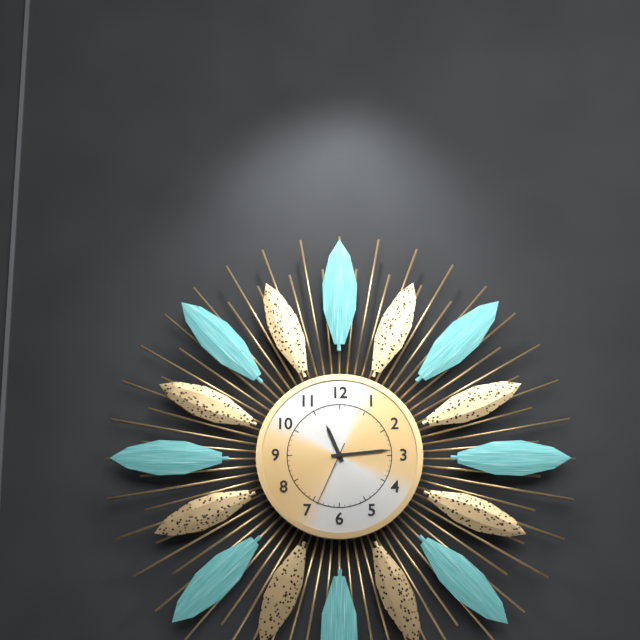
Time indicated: 11:14:34
